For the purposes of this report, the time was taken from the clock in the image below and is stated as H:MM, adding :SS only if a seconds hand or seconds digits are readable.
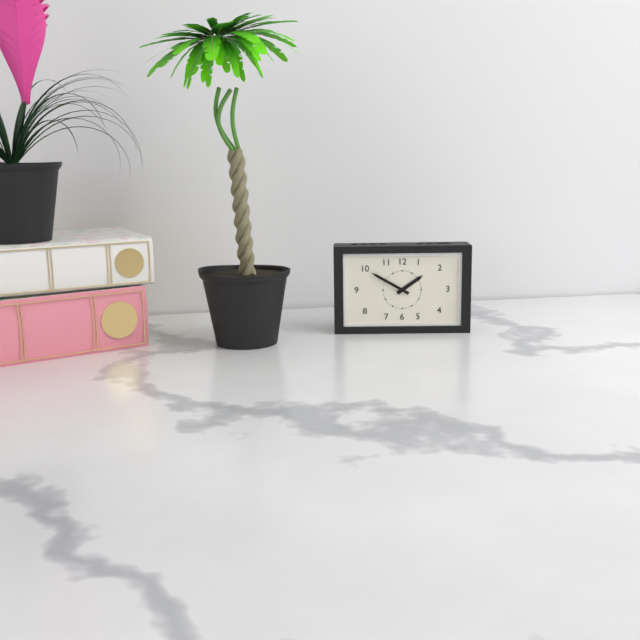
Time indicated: 1:50
